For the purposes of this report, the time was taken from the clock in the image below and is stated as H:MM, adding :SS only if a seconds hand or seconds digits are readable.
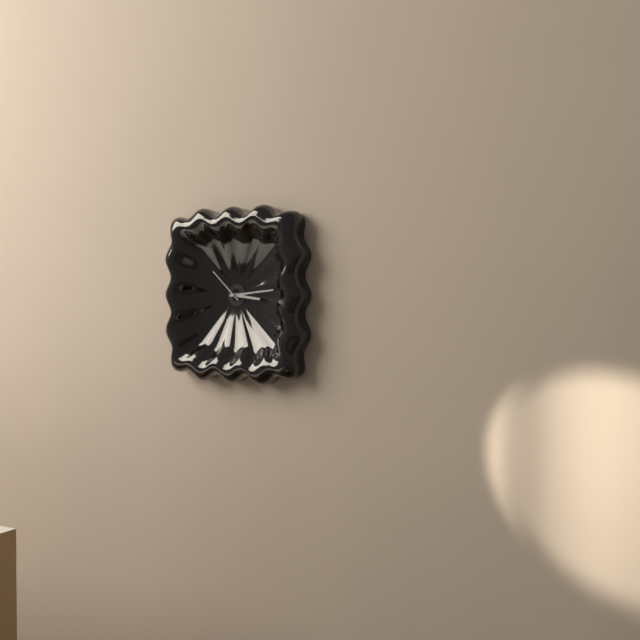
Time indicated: 3:14
